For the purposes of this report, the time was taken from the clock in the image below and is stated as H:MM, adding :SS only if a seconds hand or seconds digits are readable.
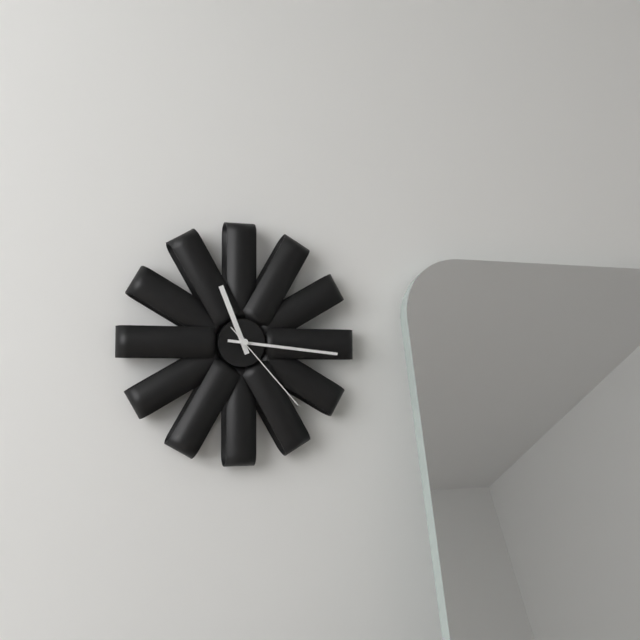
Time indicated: 11:16:23
